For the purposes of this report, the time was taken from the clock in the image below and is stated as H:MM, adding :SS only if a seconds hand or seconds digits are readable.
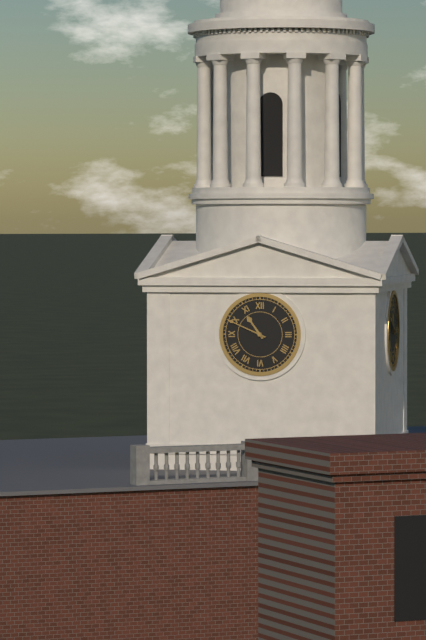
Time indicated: 10:49
